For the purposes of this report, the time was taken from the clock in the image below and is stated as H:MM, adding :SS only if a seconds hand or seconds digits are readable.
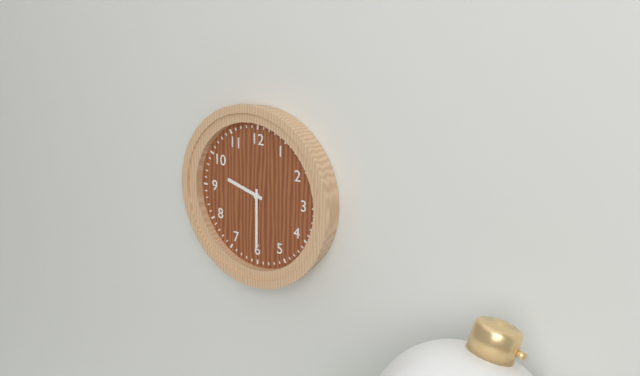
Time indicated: 9:30
